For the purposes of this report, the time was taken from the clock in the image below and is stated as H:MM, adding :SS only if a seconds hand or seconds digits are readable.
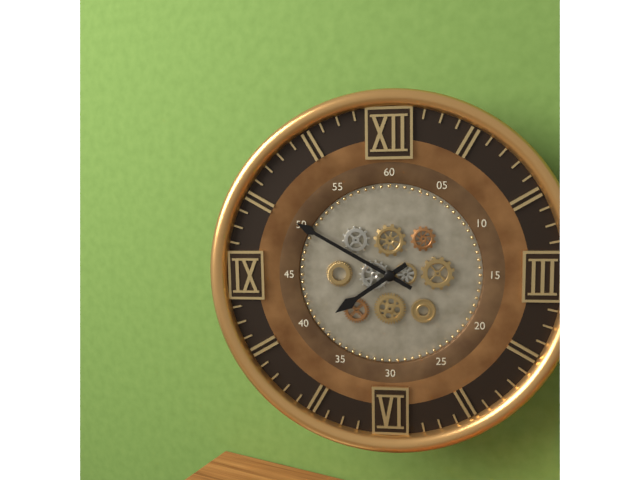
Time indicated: 7:50
